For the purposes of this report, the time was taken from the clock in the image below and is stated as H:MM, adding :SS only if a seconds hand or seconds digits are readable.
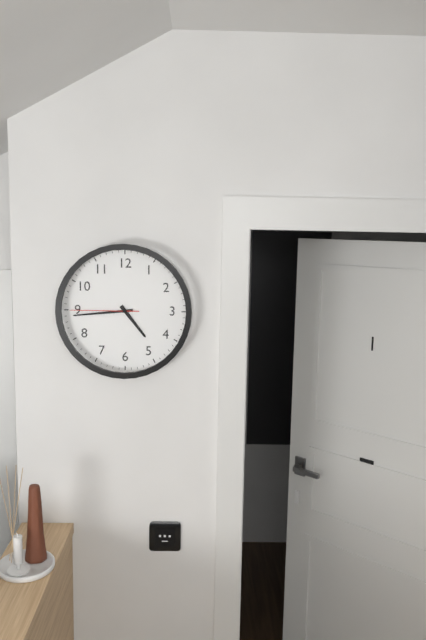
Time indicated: 4:44:45
